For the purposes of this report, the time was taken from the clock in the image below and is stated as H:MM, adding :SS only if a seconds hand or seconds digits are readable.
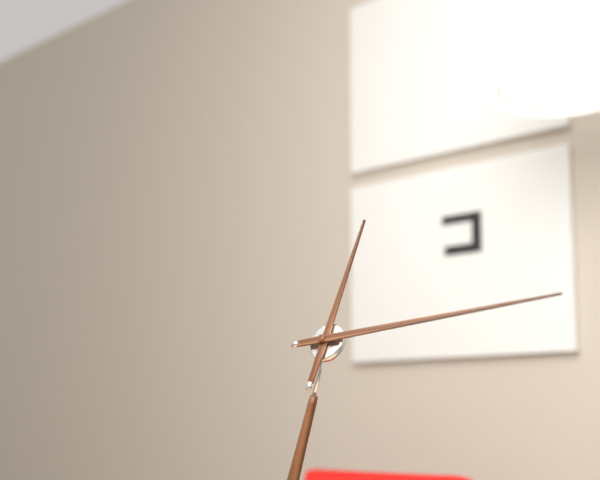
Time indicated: 12:14
